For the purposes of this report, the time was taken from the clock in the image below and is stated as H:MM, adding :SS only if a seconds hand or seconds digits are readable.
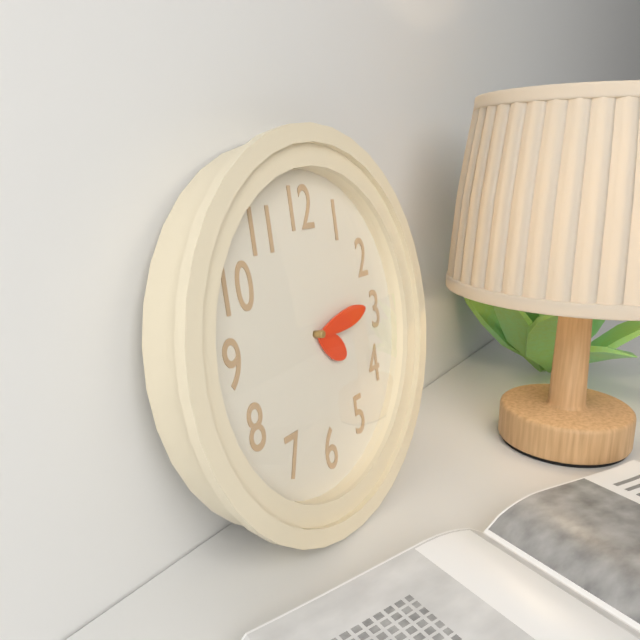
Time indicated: 4:14
